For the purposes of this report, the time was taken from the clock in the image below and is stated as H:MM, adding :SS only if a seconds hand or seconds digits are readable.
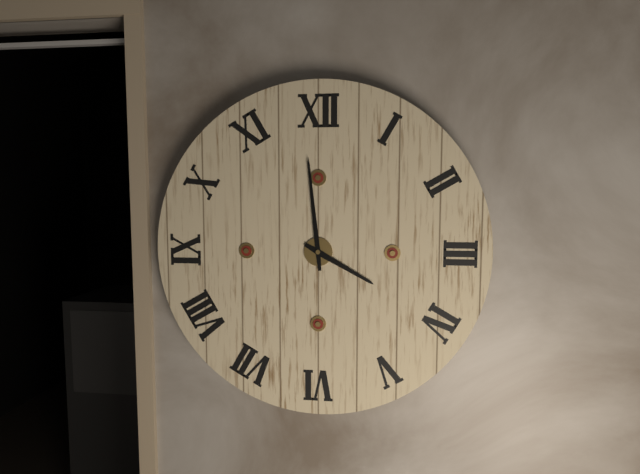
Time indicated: 3:59
